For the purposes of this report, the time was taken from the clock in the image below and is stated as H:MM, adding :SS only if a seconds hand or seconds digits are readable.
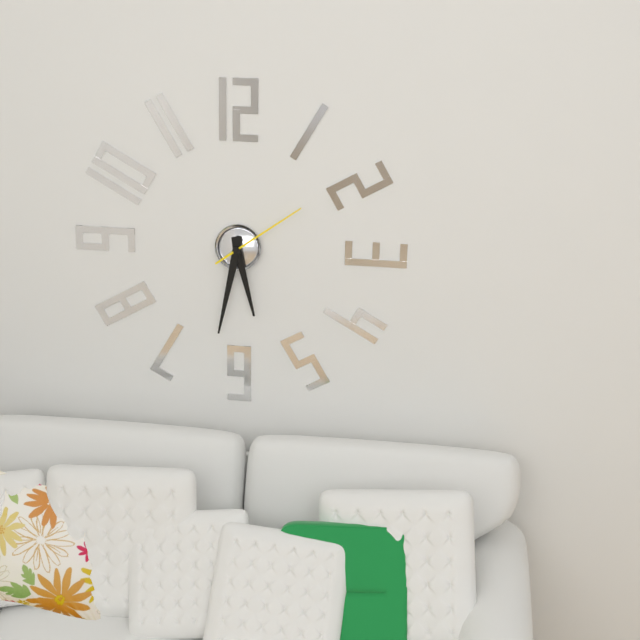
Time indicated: 5:32:09
